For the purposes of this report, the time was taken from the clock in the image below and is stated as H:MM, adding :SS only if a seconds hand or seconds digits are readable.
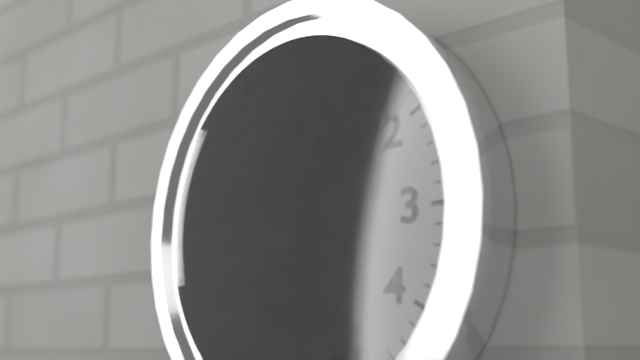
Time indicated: 1:36
